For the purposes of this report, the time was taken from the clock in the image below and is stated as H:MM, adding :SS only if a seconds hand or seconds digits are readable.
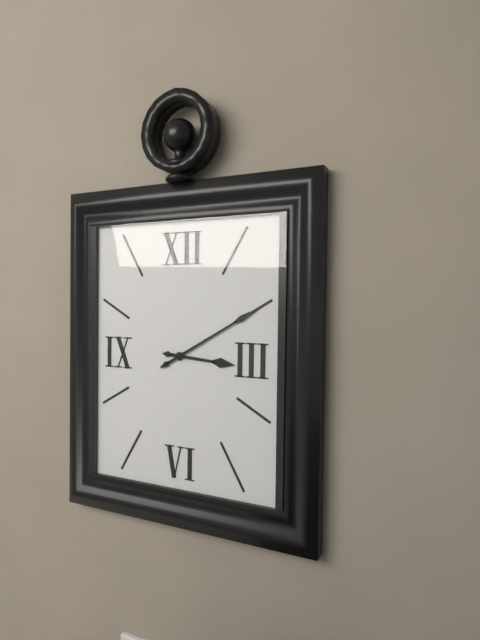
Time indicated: 3:10
